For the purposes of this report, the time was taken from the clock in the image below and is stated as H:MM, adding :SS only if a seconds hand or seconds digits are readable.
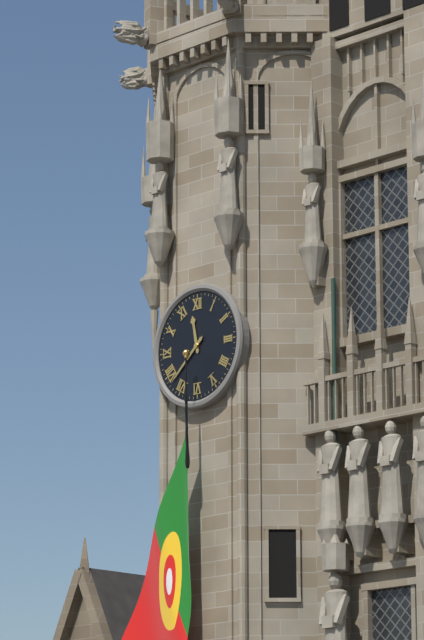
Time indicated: 11:38
